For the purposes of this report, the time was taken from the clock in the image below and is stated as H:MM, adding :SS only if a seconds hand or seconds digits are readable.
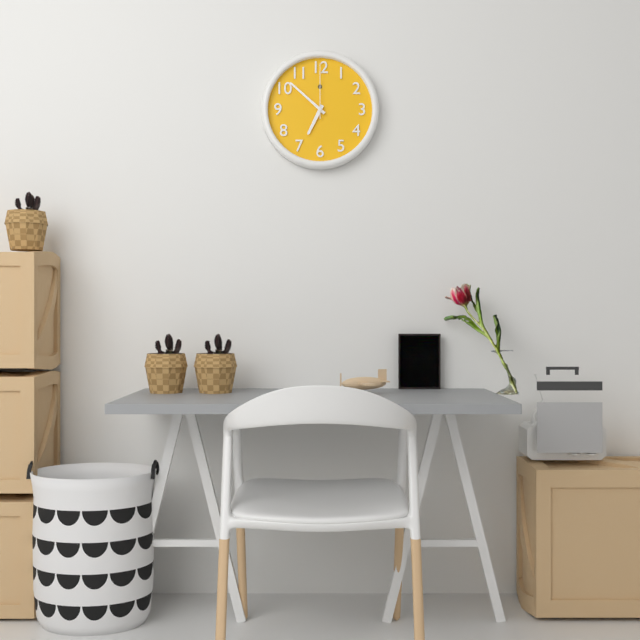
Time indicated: 6:52:00
